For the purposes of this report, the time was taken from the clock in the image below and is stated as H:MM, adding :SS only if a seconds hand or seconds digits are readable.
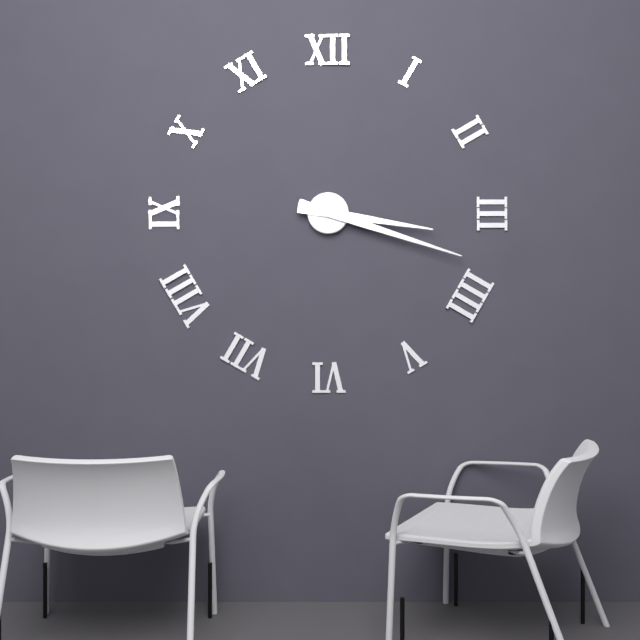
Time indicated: 3:18
